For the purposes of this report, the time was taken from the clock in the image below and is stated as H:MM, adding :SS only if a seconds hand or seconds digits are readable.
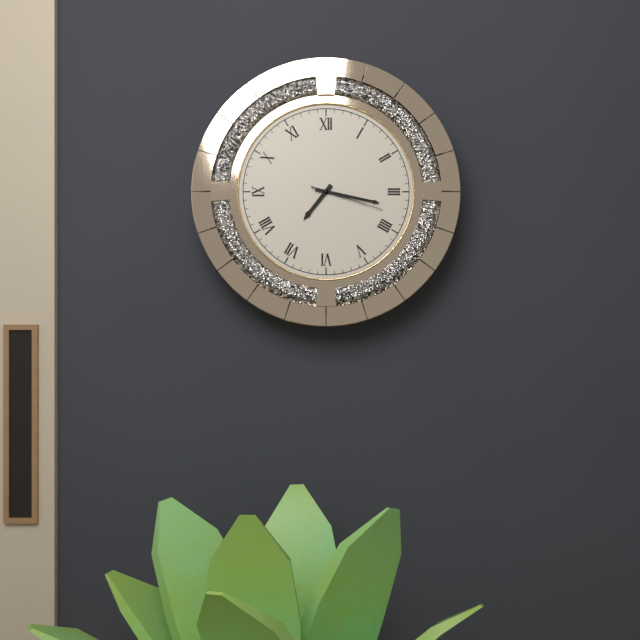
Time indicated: 7:17:18
